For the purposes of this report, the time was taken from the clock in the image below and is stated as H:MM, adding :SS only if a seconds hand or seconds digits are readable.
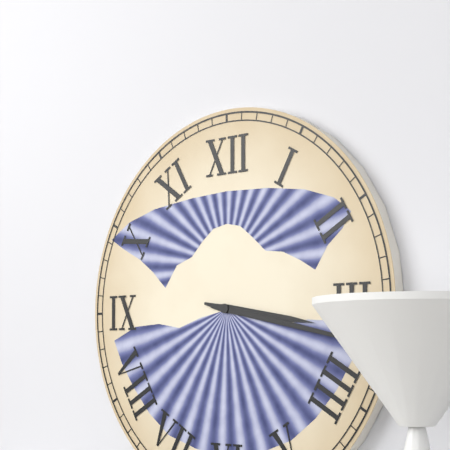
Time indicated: 3:17
